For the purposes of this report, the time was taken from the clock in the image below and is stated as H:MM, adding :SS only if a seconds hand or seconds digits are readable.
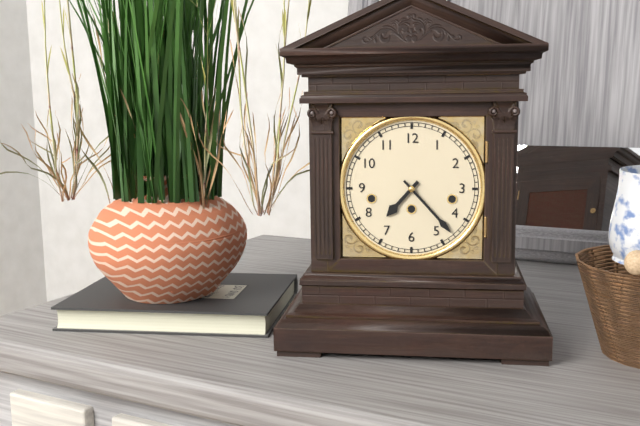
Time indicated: 7:23
